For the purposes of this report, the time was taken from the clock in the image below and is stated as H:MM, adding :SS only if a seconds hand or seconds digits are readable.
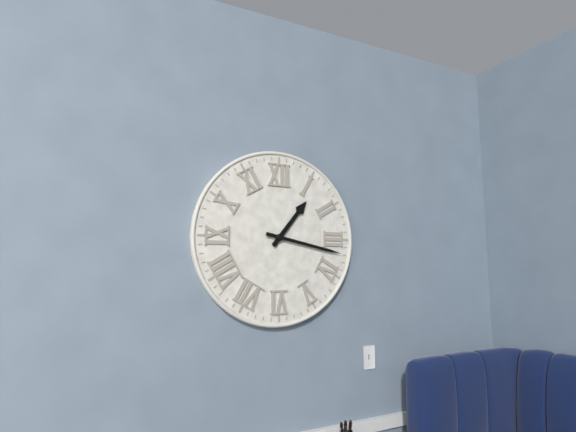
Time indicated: 1:17
